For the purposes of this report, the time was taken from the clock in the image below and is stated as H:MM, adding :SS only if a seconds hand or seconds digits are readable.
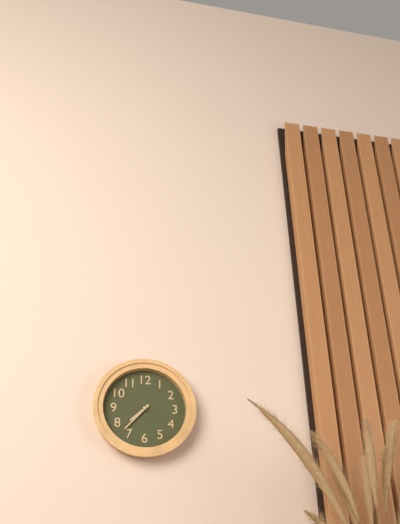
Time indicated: 7:37
